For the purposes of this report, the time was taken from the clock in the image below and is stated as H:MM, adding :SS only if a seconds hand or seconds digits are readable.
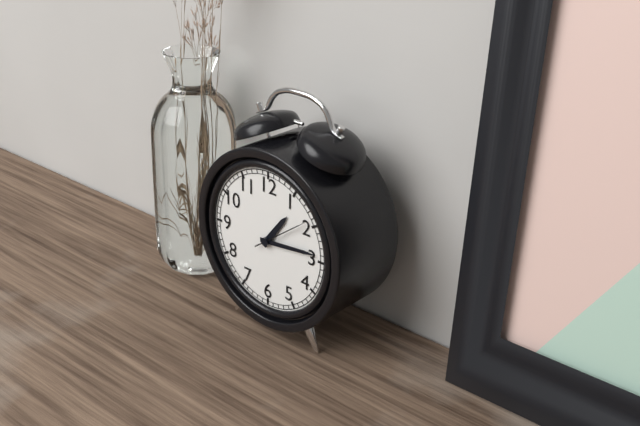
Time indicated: 1:14:09
